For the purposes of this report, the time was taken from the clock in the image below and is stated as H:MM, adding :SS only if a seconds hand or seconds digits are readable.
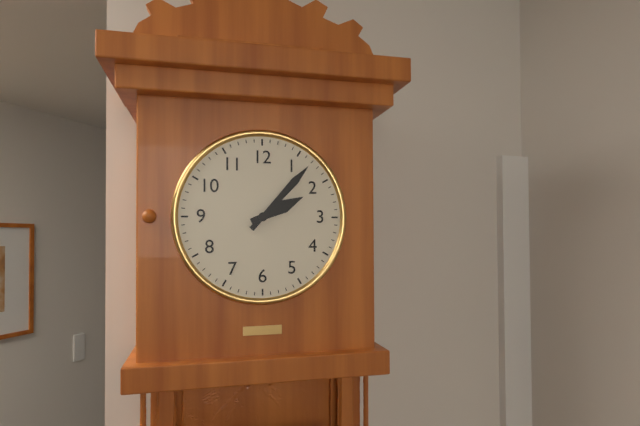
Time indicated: 2:07
